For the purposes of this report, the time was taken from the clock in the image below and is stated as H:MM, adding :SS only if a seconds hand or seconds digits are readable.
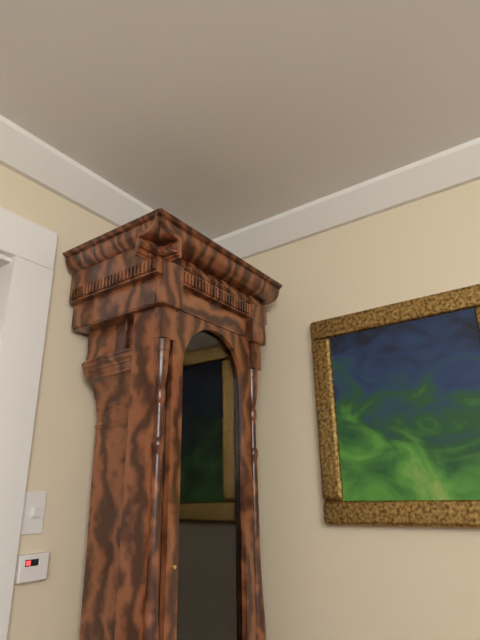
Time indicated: 6:23
